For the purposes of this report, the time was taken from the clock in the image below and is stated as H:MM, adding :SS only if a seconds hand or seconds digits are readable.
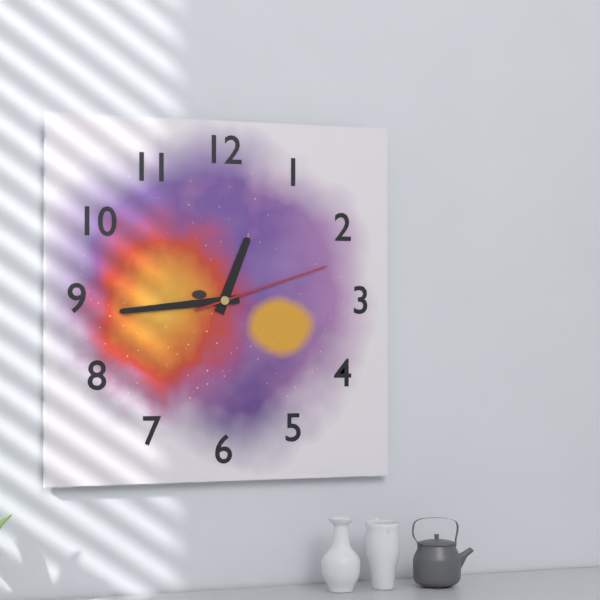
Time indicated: 12:44:12
